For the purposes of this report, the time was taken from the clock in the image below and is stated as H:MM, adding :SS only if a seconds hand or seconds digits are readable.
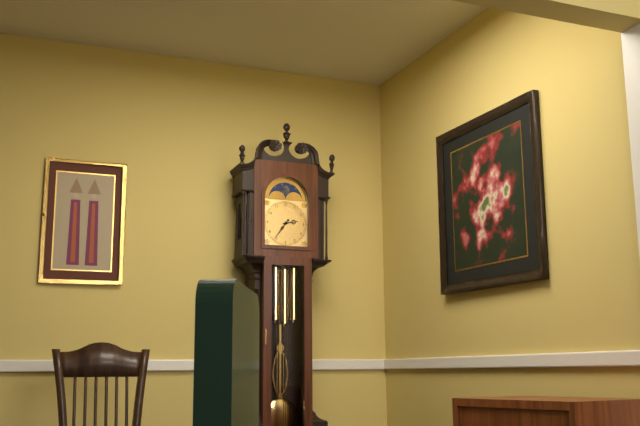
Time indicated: 2:36
